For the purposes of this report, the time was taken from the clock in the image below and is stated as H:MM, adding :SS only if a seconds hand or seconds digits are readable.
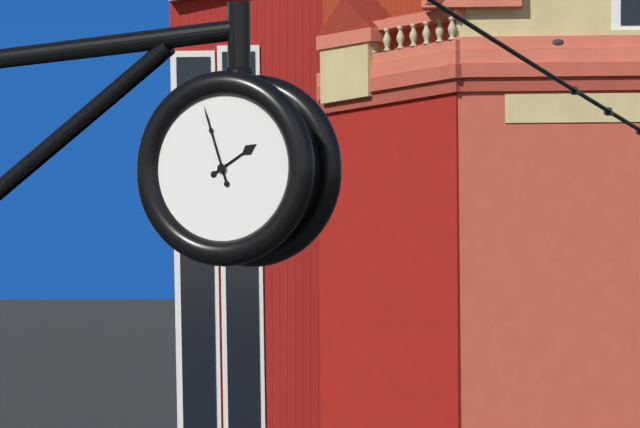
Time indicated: 1:57
